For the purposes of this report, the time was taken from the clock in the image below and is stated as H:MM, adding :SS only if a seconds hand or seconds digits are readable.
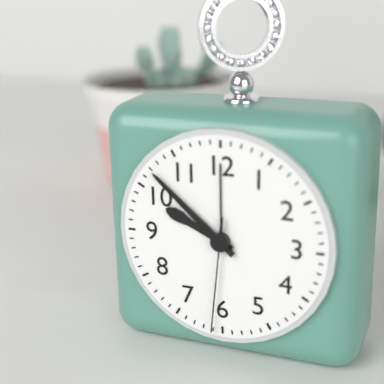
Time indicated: 9:52:31
